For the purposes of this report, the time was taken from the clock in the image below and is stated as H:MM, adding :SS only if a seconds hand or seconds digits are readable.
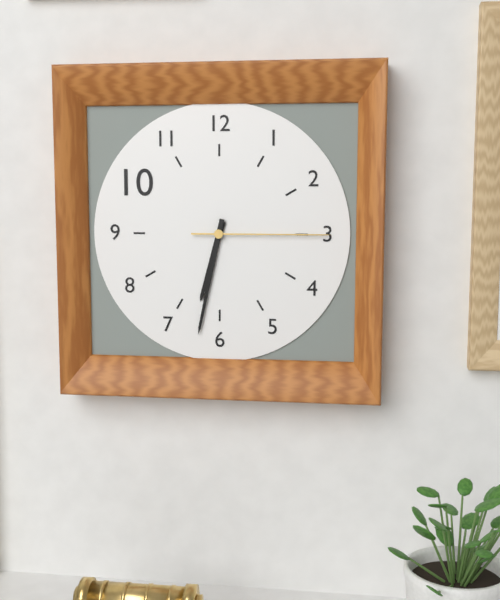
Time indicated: 6:32:15
